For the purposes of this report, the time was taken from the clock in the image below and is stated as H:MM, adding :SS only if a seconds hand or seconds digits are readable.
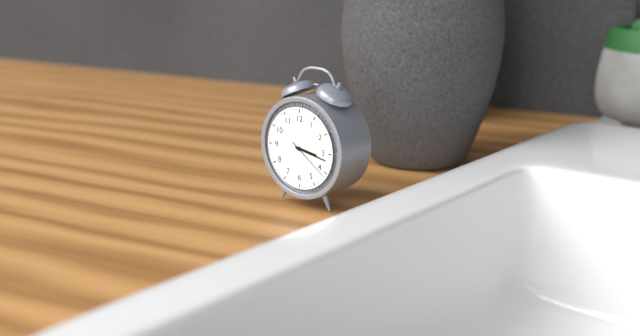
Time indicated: 3:17
